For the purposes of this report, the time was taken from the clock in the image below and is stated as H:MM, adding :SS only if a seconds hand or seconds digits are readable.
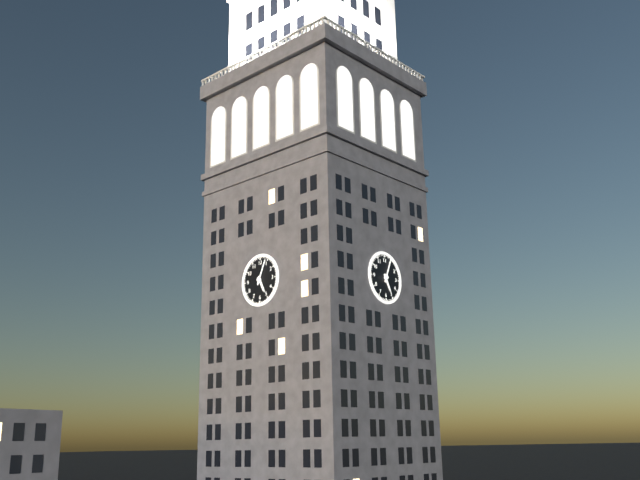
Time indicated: 5:04
